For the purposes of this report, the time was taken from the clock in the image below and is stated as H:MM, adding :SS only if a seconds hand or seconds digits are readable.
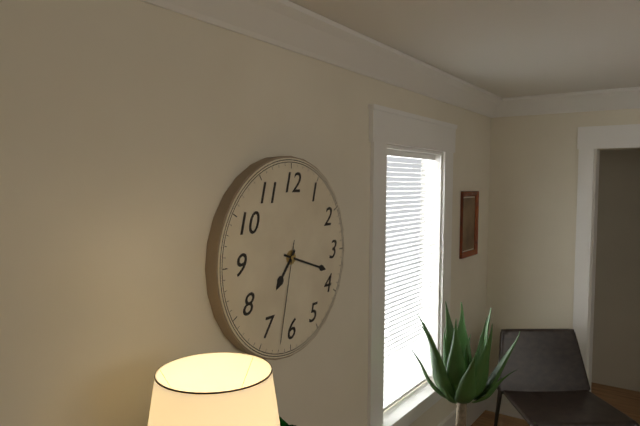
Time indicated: 7:18:32
